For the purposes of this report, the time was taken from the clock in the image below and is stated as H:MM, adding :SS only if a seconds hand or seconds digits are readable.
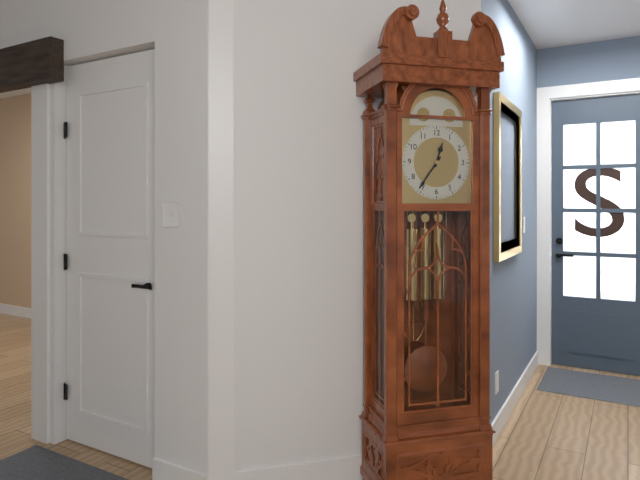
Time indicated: 12:36
